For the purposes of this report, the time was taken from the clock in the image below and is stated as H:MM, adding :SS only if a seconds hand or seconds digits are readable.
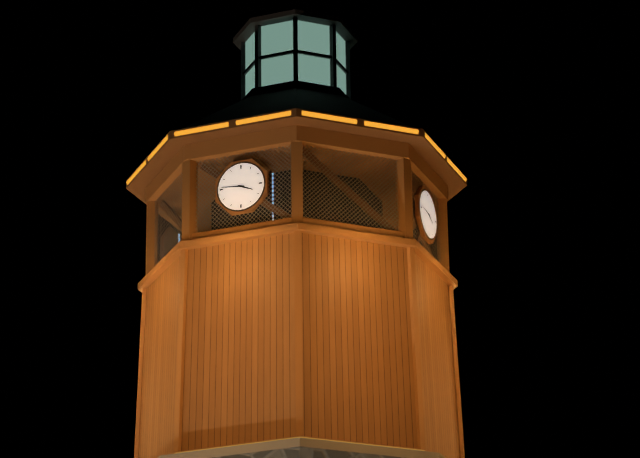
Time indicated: 3:46
